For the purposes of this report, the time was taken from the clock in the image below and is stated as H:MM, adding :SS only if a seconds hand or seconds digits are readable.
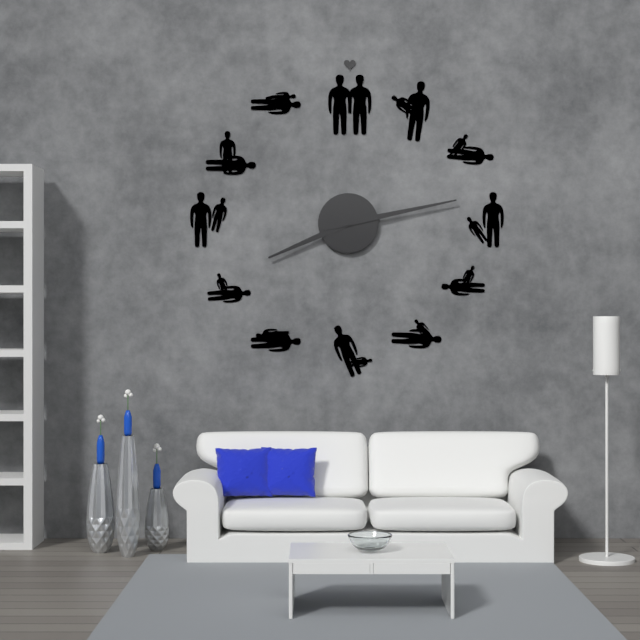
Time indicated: 8:13
